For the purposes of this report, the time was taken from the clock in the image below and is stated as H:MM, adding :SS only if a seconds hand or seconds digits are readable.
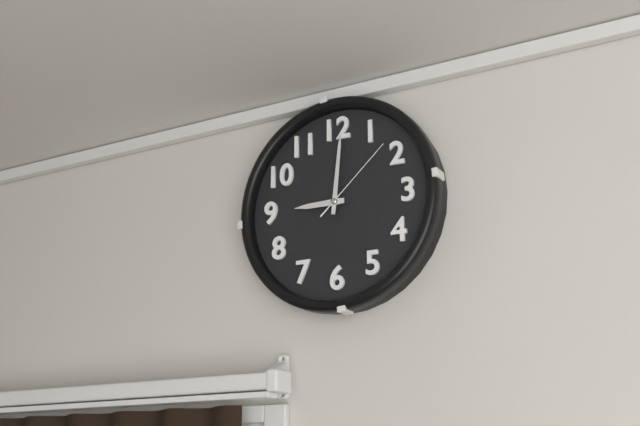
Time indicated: 9:01:08
